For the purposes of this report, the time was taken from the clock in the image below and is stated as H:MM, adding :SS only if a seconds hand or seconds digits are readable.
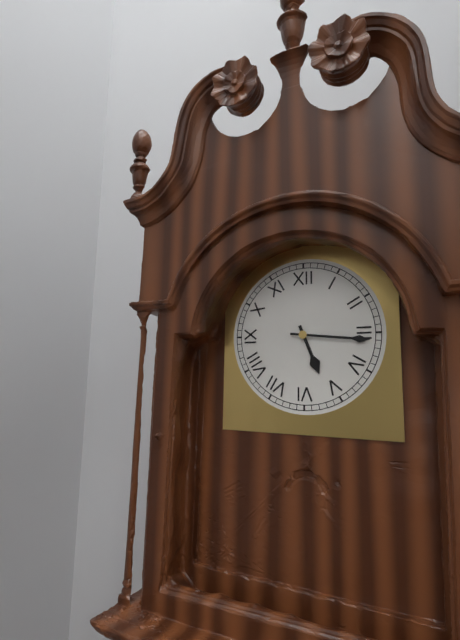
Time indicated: 5:16
